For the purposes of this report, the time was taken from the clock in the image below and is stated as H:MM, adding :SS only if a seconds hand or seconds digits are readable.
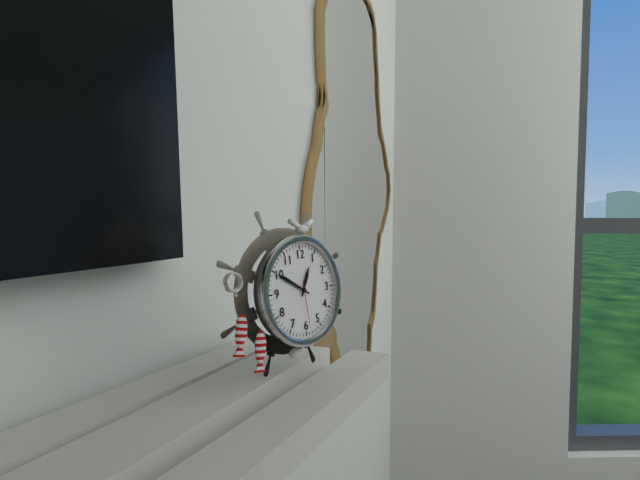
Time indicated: 12:50
